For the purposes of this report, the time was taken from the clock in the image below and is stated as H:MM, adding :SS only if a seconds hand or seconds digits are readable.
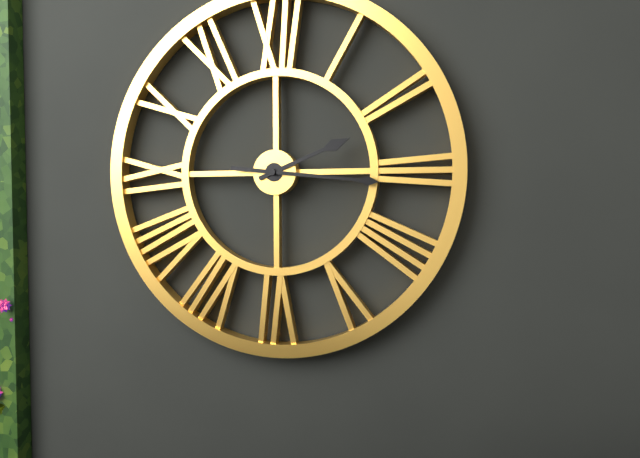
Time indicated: 2:16
